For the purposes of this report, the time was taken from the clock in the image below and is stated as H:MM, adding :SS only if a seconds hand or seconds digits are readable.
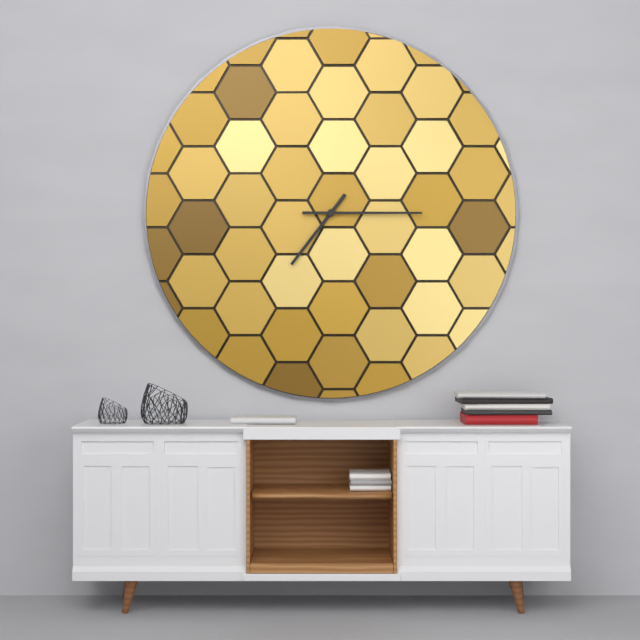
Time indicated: 7:15
